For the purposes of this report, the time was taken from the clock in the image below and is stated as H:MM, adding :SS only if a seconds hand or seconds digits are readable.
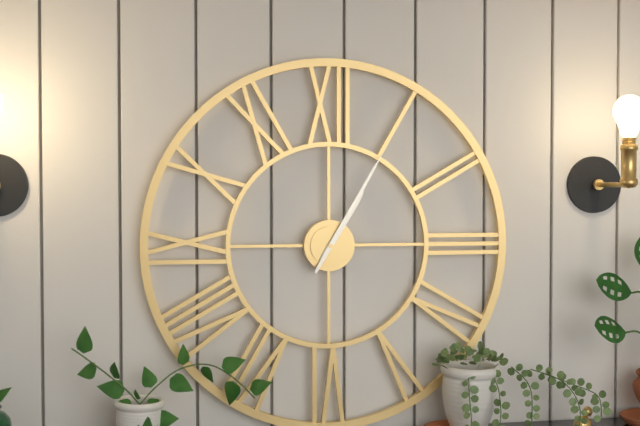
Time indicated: 1:05
